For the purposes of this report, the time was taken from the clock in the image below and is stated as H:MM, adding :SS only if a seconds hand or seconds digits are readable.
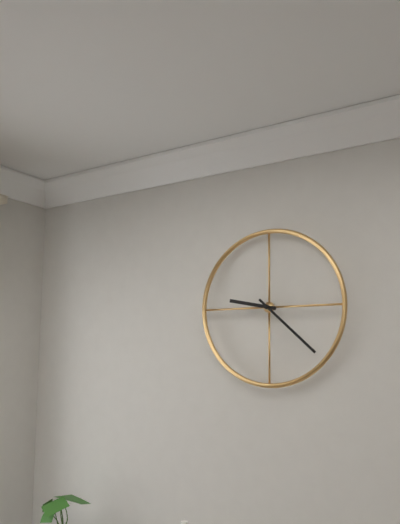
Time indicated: 9:22
